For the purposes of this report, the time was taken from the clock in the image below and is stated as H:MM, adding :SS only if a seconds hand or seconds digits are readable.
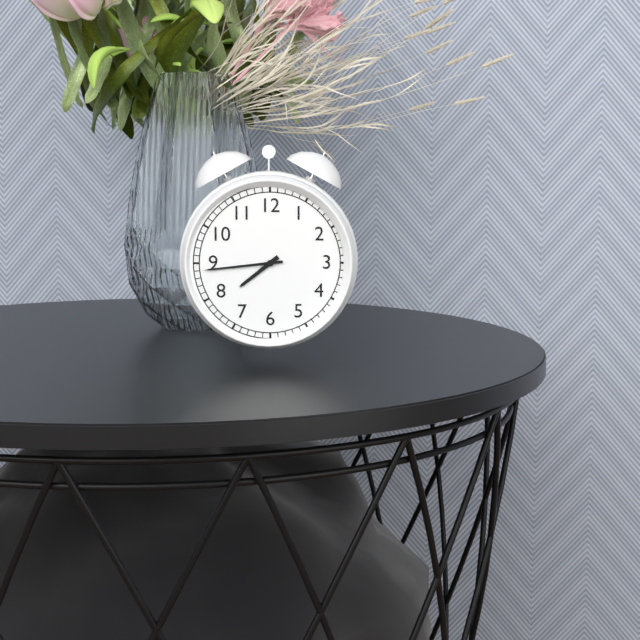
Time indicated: 7:44
